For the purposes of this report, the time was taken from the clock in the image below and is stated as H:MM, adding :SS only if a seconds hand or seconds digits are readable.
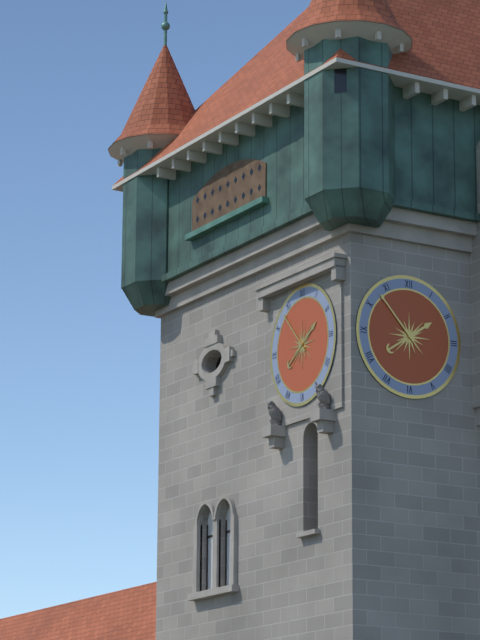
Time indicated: 1:53
